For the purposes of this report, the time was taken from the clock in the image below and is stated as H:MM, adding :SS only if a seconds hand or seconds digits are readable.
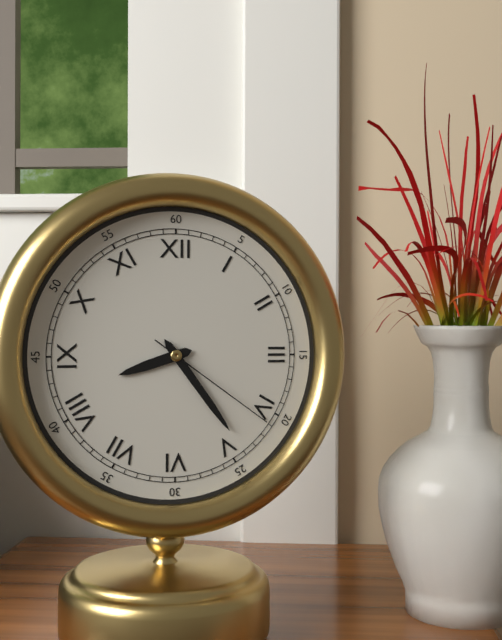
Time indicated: 8:24:21
